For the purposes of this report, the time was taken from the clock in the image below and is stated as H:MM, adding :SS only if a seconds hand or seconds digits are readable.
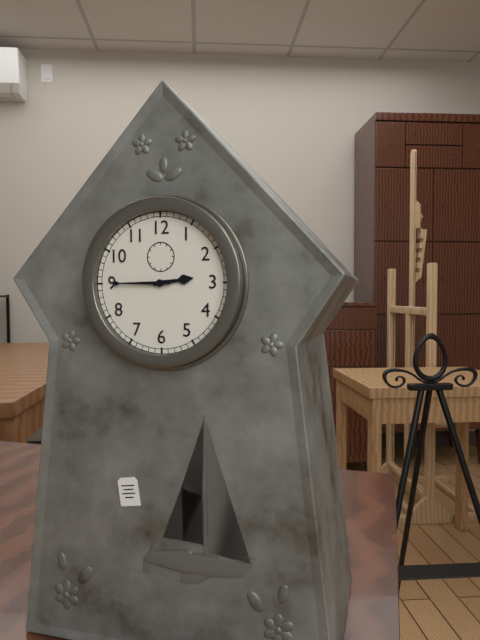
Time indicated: 2:45
